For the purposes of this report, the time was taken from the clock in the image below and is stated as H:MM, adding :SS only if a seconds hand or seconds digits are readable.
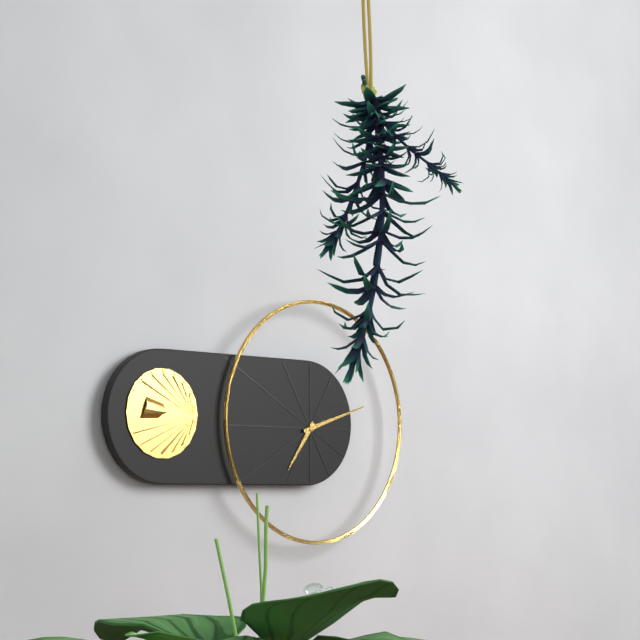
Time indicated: 7:12
